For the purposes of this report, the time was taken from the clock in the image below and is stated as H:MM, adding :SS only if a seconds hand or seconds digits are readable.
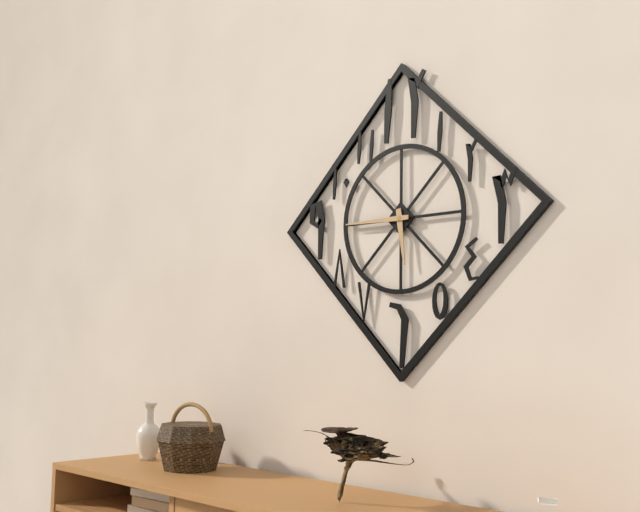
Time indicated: 5:45
